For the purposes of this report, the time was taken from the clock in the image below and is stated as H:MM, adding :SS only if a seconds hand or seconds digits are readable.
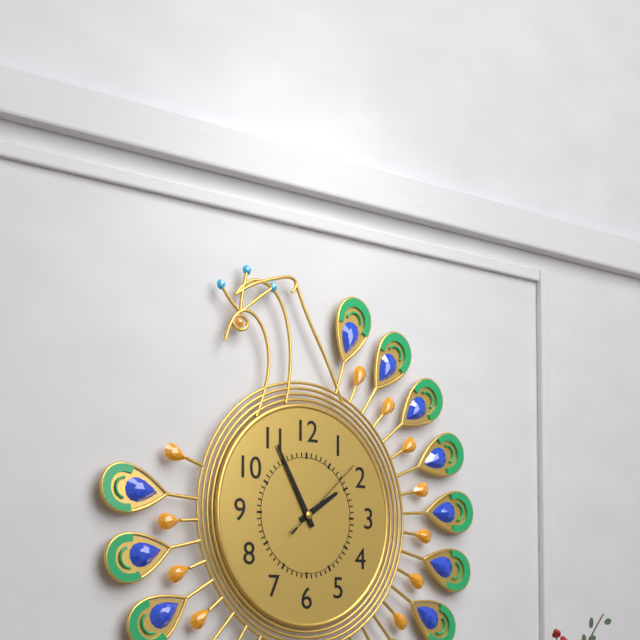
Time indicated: 1:55:08
